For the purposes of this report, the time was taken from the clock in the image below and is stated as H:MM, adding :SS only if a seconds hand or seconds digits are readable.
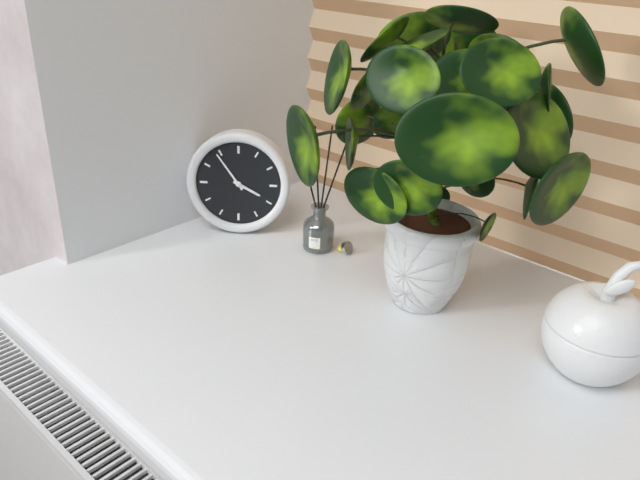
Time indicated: 3:54
